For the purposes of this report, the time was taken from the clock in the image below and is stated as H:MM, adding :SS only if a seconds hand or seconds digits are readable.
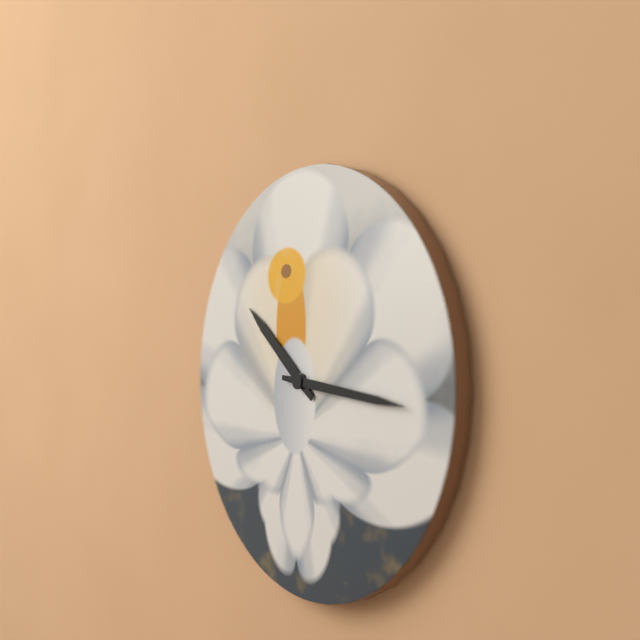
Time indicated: 10:16
